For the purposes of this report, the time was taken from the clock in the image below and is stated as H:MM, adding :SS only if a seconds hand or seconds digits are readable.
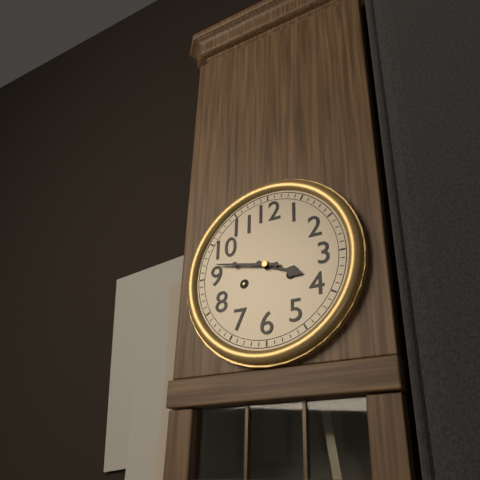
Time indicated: 3:47
